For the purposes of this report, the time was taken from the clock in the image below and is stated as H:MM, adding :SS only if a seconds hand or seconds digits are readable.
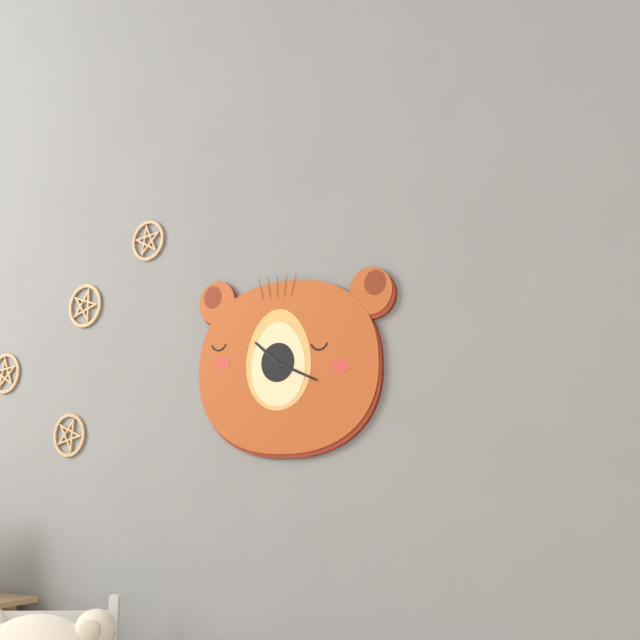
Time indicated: 10:19
